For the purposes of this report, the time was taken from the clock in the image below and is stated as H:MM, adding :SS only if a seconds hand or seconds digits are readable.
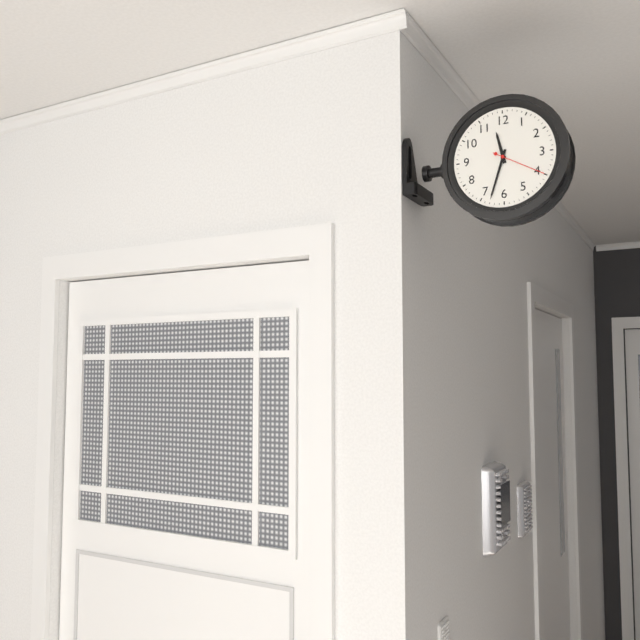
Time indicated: 11:33:20
